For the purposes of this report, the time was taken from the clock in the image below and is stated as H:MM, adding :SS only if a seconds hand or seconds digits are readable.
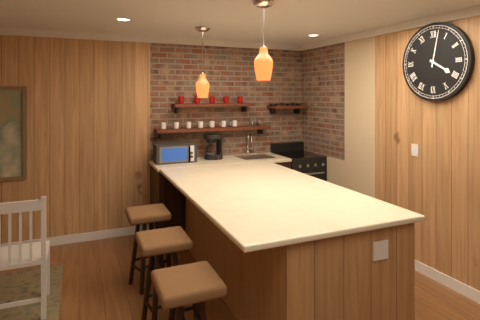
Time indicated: 4:02
